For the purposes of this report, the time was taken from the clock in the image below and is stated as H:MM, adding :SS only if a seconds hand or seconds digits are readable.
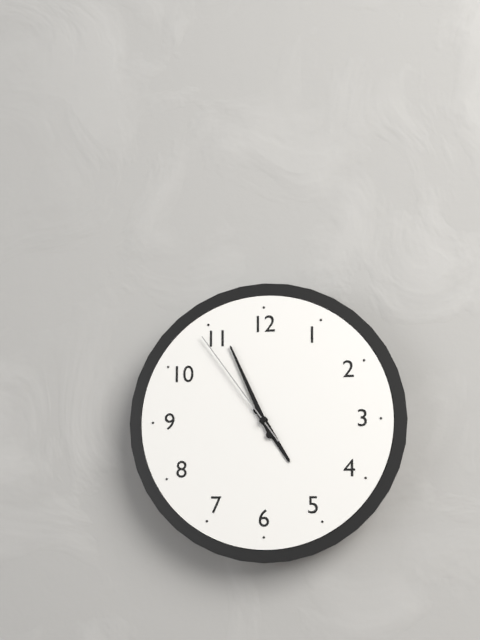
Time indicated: 4:56:54
